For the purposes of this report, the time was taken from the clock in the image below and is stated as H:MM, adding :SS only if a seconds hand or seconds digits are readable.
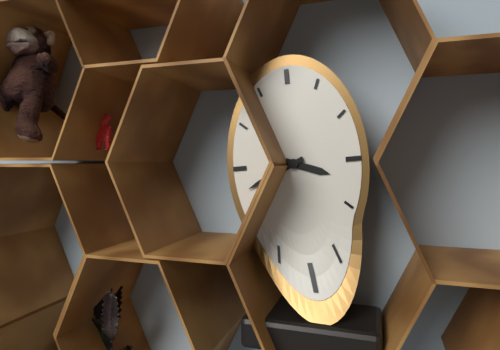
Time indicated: 3:41
